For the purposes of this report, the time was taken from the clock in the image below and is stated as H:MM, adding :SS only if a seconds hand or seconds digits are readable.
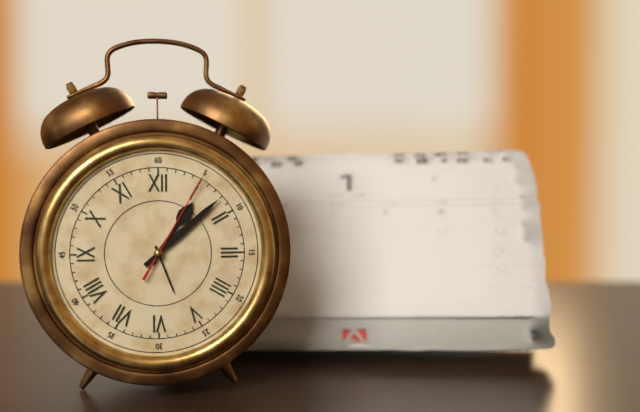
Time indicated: 1:08:05
